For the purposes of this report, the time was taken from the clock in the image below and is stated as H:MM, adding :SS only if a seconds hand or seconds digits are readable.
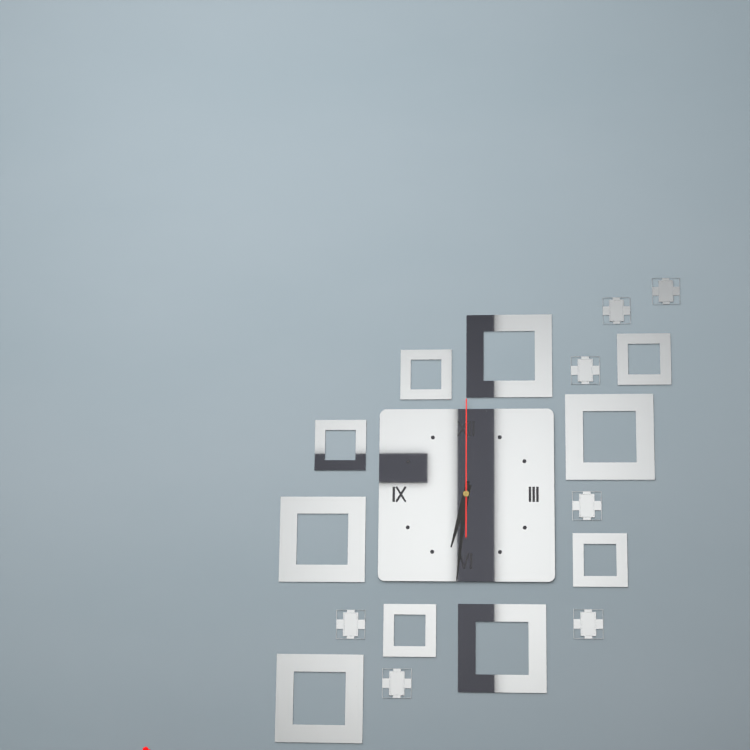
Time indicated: 6:31:00
